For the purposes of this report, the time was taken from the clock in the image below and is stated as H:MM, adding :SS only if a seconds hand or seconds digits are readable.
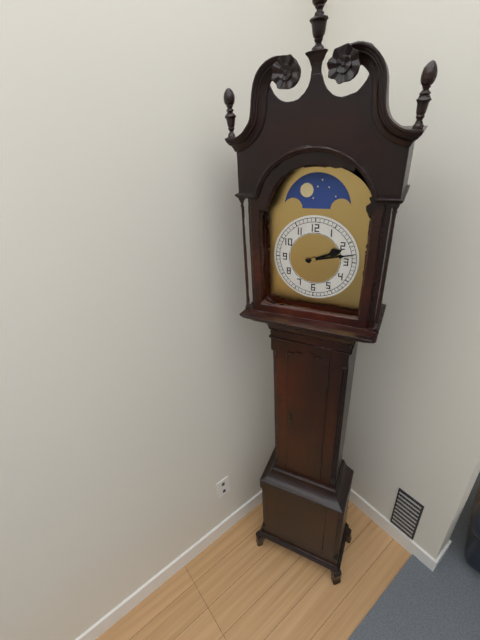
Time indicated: 2:13
